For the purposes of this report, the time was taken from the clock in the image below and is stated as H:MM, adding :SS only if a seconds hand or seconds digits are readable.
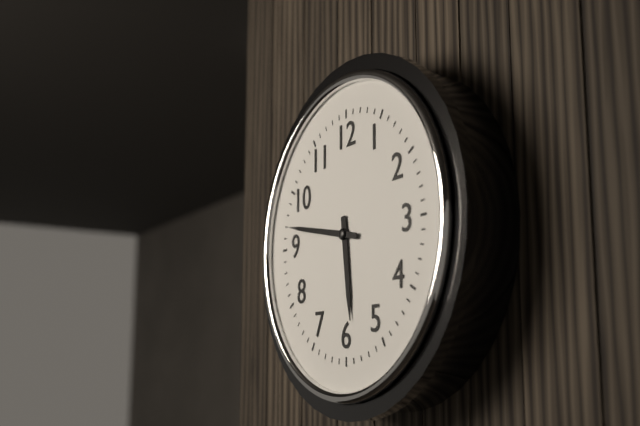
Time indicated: 5:47
